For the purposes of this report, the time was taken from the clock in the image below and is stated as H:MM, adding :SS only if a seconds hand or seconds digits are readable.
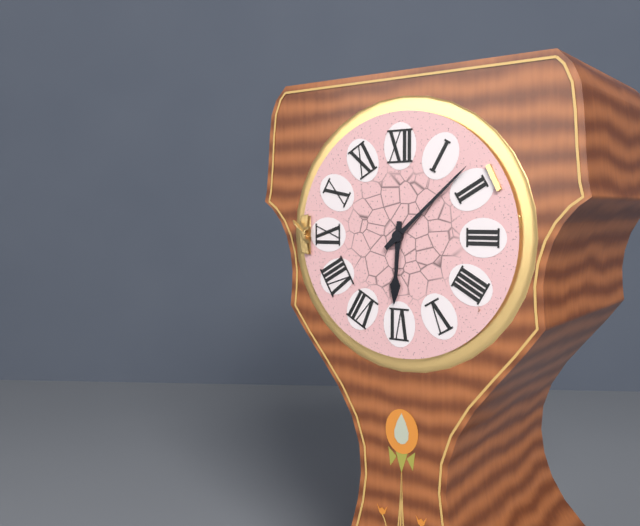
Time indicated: 6:08
